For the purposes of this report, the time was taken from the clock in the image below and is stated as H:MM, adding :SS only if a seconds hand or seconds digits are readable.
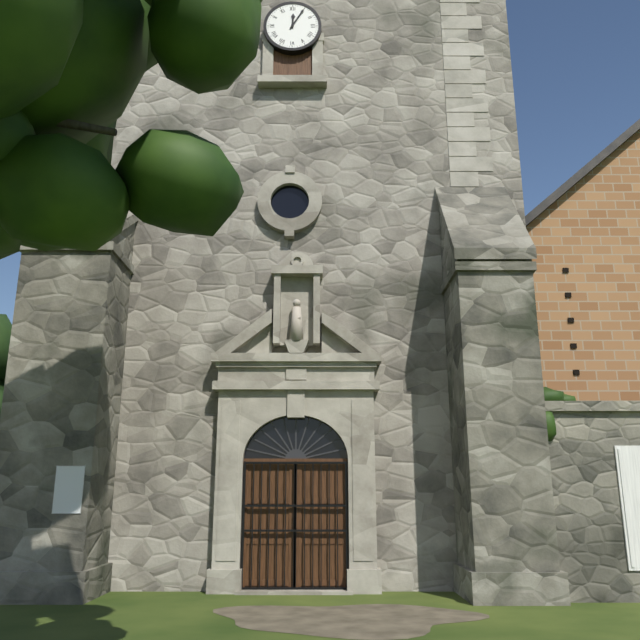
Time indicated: 12:05
